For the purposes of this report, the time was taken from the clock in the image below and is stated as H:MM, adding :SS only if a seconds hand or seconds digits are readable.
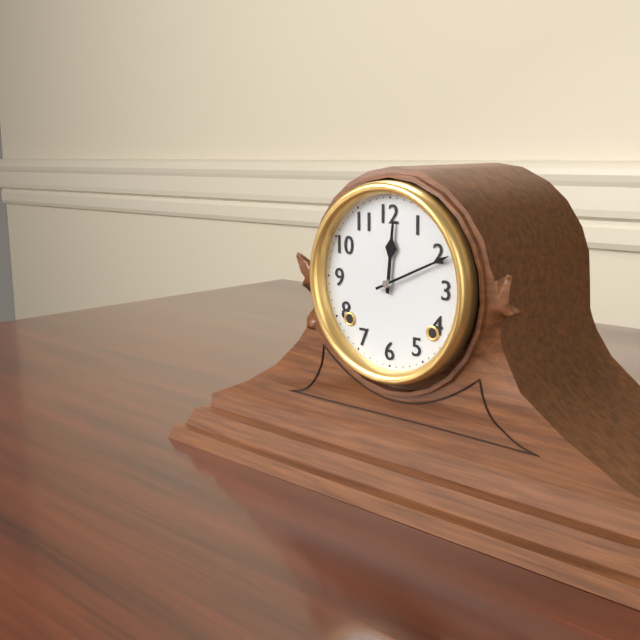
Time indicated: 12:11
